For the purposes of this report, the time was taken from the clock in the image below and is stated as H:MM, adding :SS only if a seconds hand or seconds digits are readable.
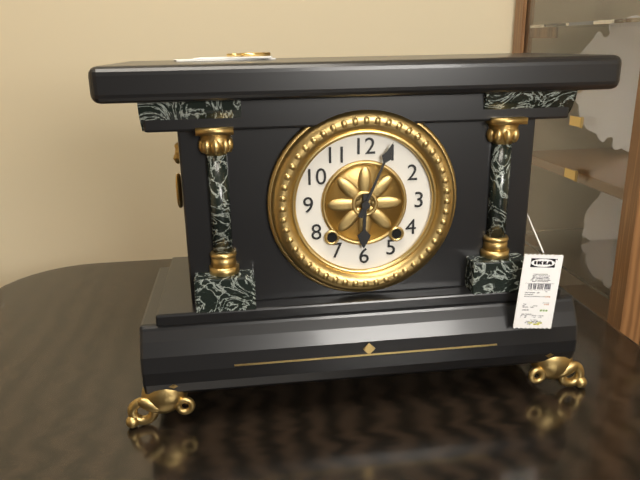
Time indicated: 6:04
